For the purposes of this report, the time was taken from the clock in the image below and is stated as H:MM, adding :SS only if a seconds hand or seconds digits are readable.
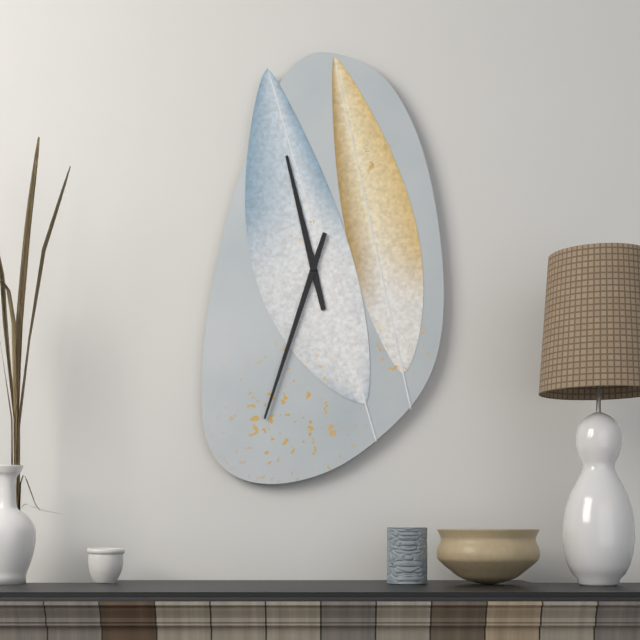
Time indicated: 11:33
